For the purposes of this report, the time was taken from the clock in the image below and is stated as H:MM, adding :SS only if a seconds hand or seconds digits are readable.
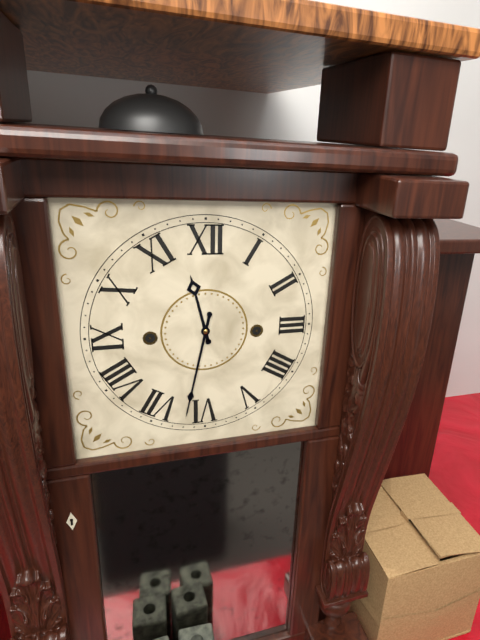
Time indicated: 11:32
